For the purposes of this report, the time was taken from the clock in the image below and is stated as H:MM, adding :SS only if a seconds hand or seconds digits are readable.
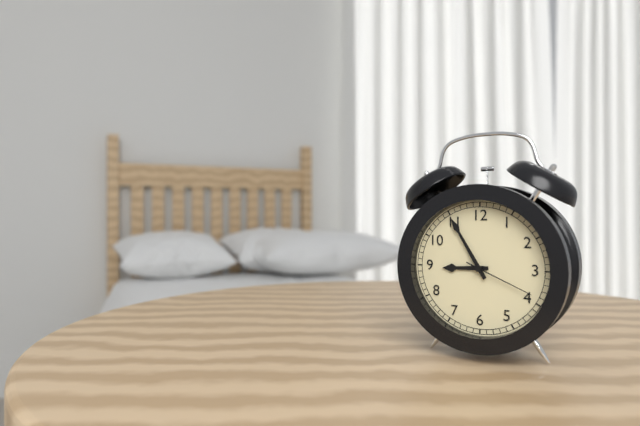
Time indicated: 8:55:19
